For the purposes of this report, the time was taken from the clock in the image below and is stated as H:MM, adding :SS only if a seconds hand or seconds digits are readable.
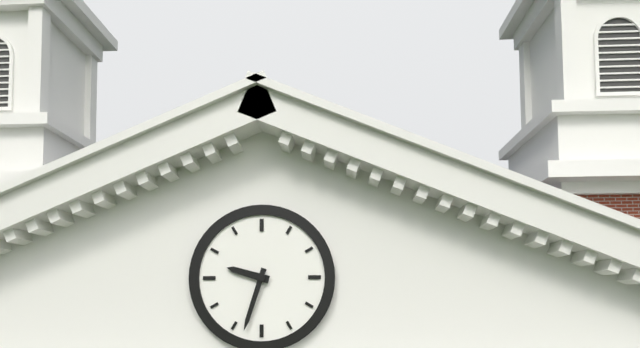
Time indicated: 9:33
